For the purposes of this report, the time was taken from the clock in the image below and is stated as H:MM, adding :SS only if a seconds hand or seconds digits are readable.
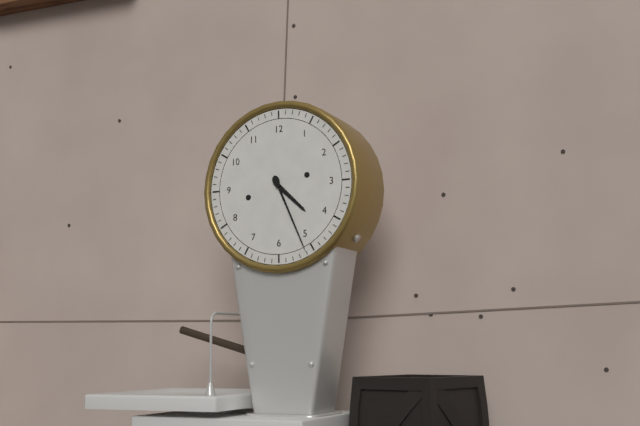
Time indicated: 4:26
